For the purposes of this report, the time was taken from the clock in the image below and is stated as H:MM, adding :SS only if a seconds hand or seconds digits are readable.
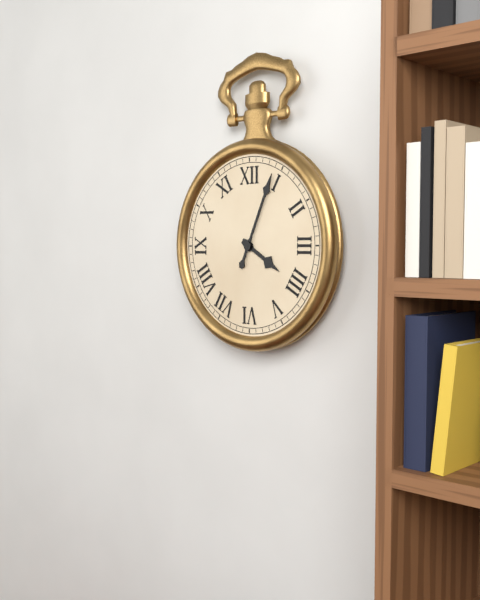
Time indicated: 4:04
